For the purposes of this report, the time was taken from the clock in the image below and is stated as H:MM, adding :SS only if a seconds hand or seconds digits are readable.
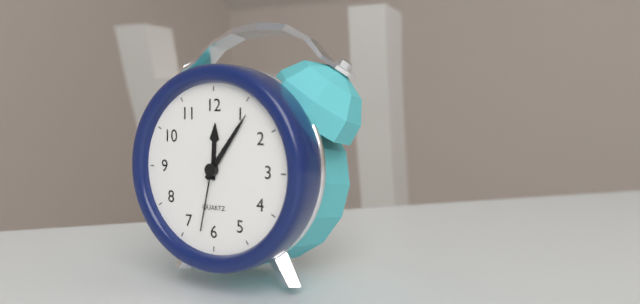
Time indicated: 12:06:32
